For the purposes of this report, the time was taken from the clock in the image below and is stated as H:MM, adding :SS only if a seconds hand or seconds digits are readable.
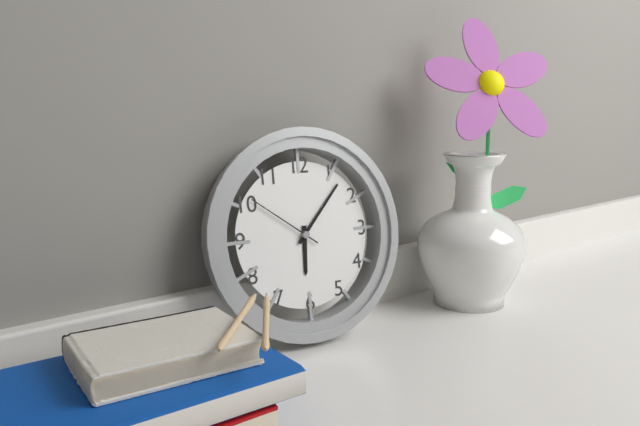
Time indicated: 6:07:51
